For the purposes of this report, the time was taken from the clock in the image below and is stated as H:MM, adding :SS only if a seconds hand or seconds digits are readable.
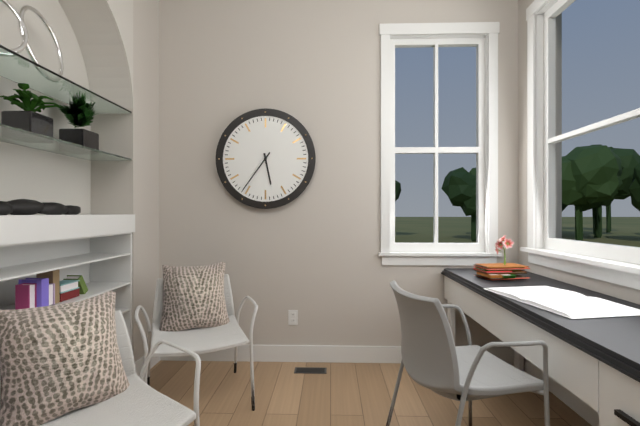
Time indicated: 5:36
